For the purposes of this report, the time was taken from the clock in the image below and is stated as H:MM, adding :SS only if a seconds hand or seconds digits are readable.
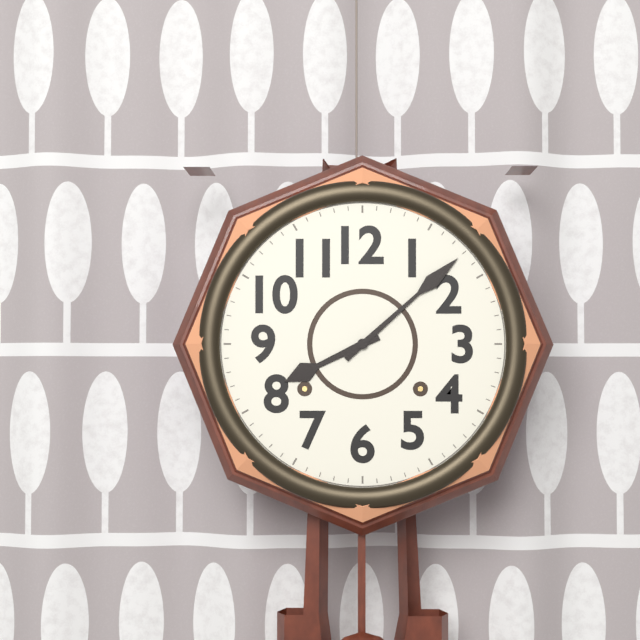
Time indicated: 8:08
